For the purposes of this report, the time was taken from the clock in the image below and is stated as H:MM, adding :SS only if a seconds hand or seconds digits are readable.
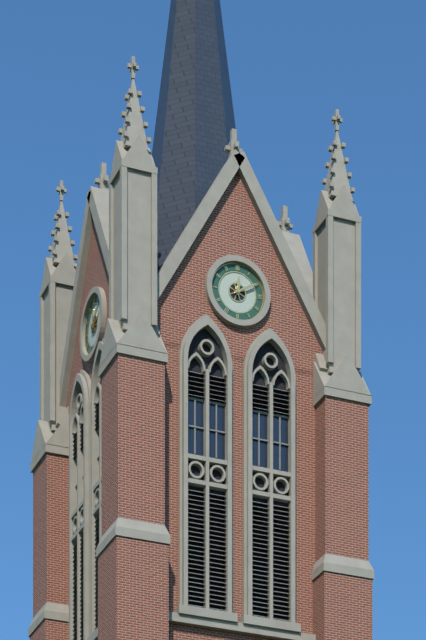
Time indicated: 12:10
